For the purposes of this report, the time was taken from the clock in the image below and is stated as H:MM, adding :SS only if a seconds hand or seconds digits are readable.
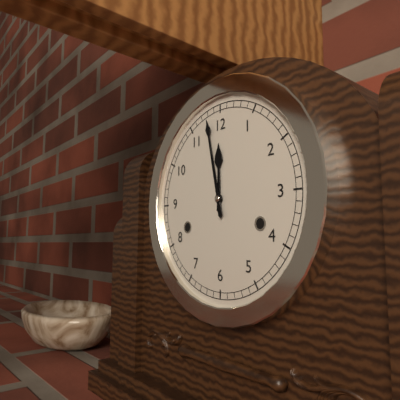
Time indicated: 11:58
